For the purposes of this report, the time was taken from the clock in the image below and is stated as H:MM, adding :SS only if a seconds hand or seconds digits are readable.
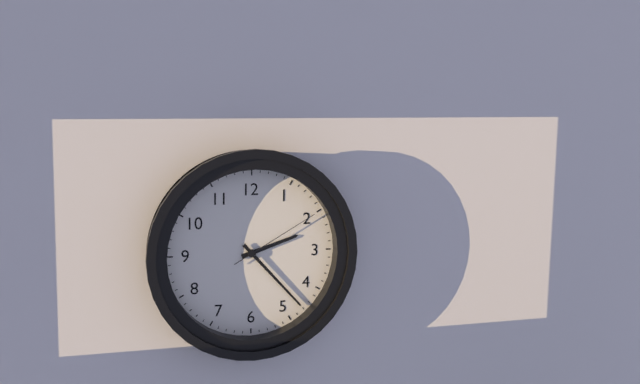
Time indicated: 2:23:10
